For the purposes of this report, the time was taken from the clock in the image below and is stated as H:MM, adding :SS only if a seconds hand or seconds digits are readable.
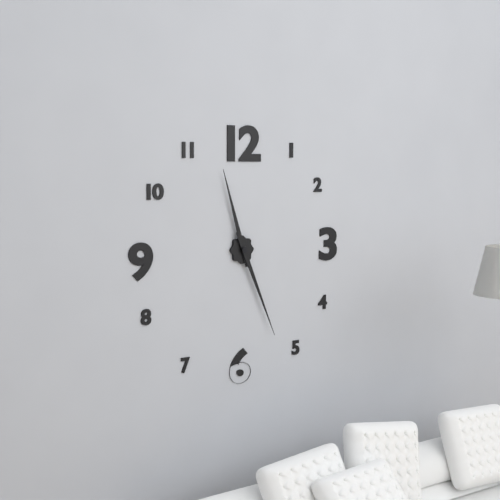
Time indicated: 11:26
